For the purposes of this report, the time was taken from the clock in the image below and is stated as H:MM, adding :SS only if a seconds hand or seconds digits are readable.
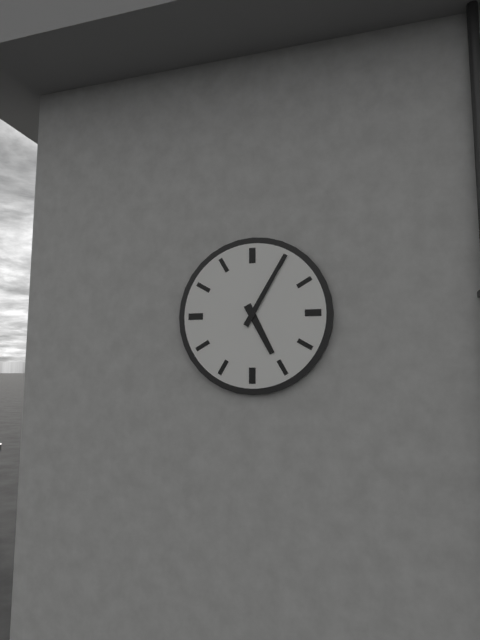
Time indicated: 5:05
